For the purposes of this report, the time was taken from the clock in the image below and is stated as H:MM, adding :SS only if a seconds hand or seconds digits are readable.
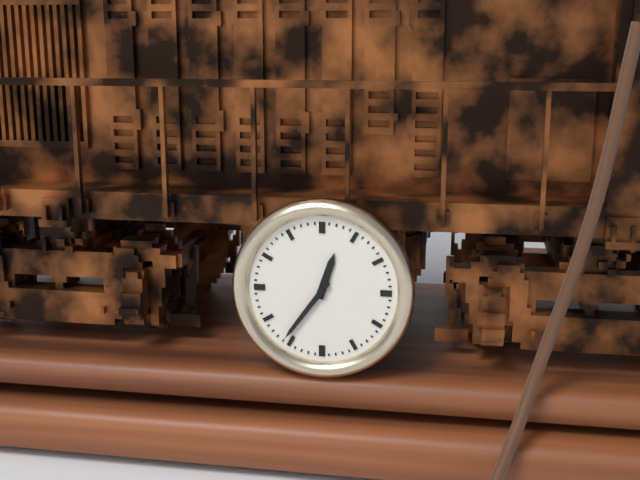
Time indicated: 12:36
